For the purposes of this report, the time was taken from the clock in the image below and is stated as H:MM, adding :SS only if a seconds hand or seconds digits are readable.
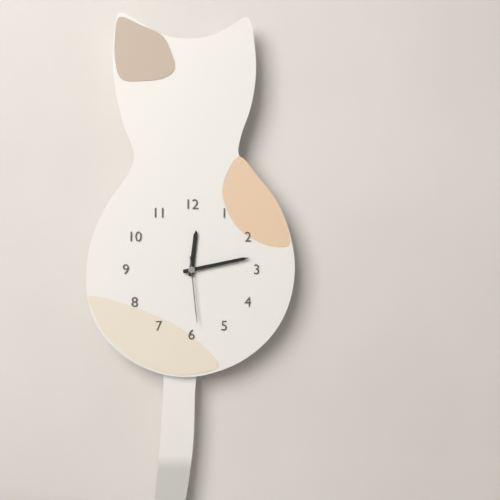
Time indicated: 12:13:29
